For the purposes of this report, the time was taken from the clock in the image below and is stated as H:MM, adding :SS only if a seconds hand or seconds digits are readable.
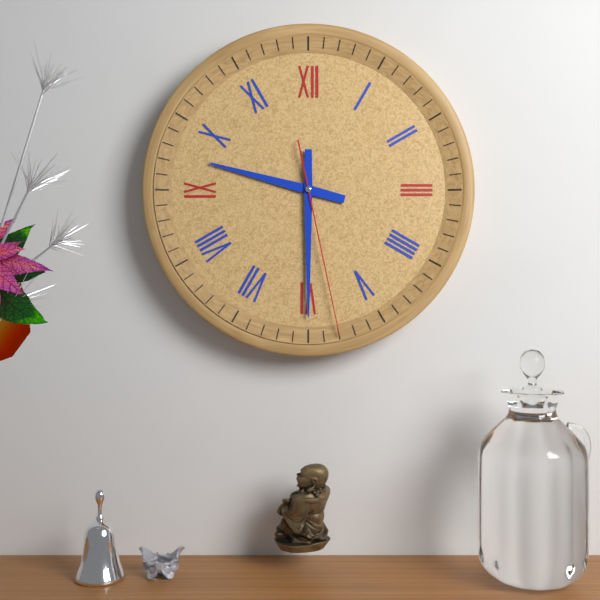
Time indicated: 9:30:28
